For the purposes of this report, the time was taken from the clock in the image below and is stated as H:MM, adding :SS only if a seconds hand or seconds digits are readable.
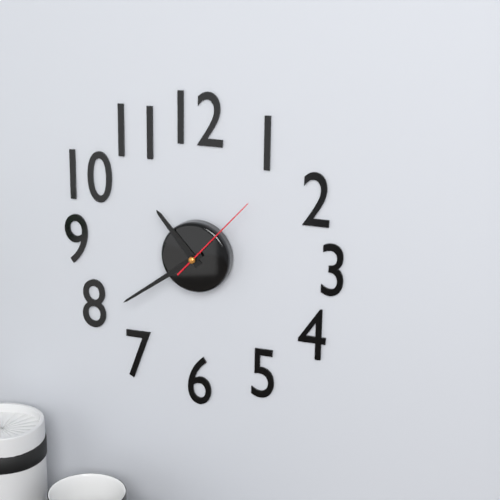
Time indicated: 10:39:07
